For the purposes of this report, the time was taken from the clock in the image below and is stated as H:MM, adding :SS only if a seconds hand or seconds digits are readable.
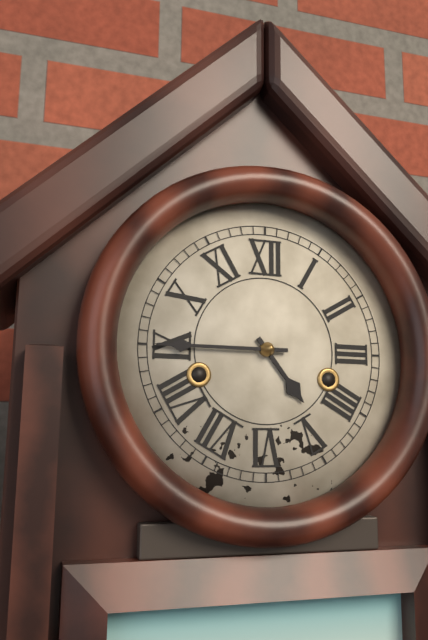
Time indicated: 4:45
